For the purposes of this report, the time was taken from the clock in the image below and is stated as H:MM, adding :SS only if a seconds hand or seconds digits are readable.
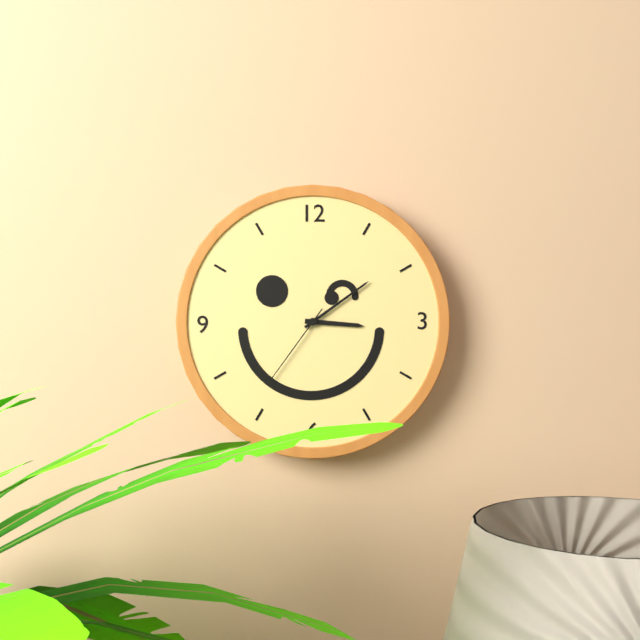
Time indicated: 3:09:36
